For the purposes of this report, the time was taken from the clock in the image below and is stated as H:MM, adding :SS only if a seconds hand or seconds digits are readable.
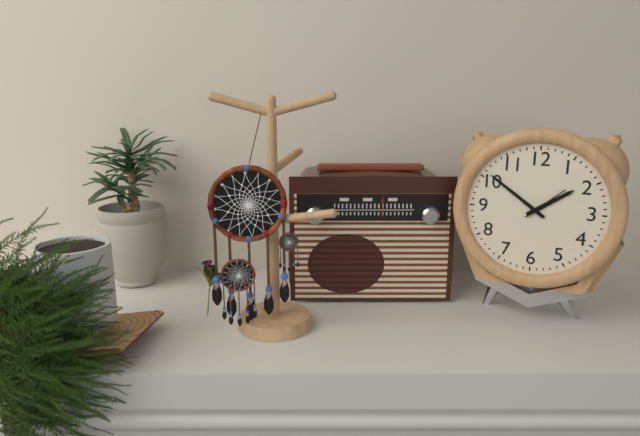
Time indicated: 1:51
